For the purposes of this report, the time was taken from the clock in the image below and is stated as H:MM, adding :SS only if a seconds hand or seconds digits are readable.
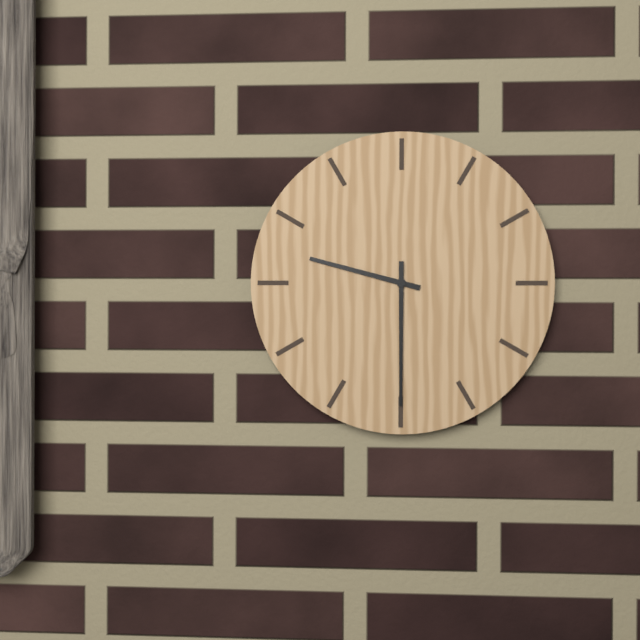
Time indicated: 9:30
